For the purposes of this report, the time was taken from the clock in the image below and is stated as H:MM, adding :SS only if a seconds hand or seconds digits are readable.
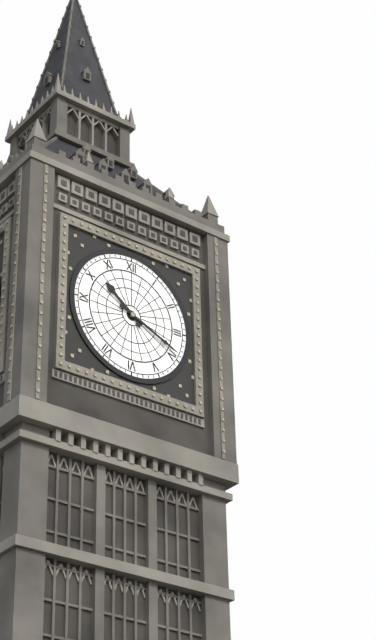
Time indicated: 10:19
